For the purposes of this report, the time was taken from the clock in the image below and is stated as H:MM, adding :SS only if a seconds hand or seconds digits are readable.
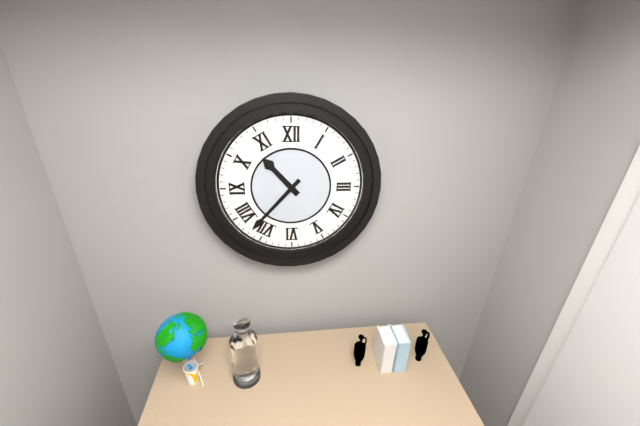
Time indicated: 10:37
